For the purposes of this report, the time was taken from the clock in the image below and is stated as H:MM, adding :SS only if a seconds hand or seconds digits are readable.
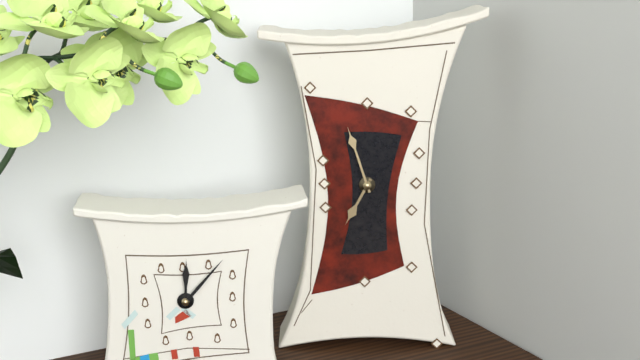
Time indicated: 6:57
